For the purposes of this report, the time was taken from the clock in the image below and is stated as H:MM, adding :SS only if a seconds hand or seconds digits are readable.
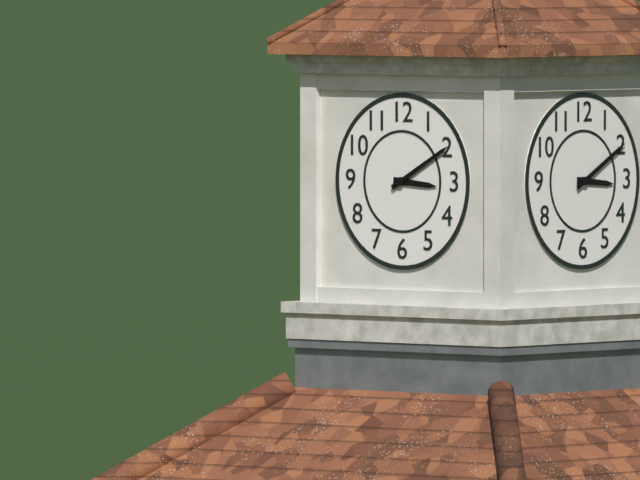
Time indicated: 3:10
